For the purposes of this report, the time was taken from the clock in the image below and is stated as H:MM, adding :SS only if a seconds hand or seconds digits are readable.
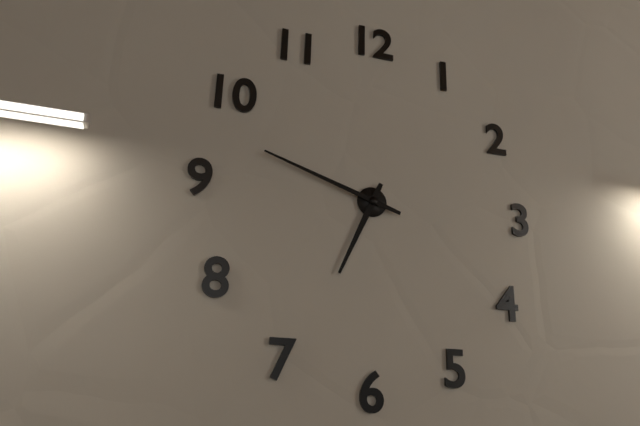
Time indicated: 6:48
